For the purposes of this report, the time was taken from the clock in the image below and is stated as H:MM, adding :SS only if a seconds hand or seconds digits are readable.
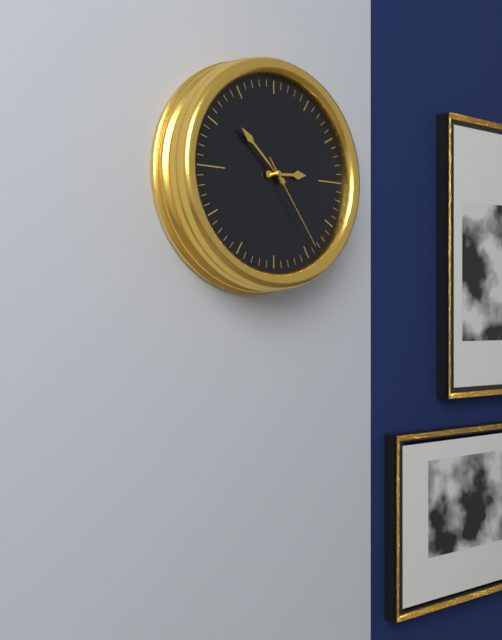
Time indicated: 2:52:24
